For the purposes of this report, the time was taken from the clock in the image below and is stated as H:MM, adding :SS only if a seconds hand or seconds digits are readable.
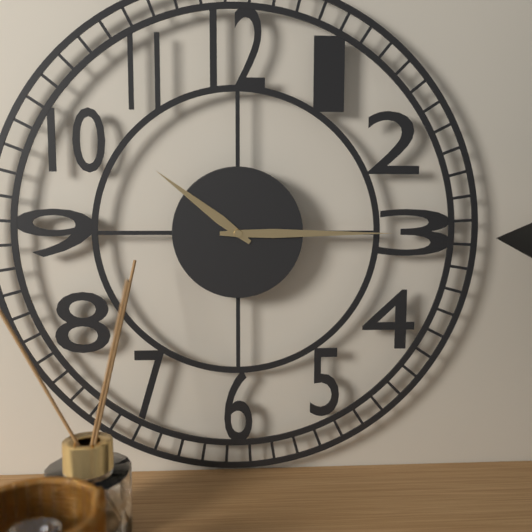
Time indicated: 10:15
